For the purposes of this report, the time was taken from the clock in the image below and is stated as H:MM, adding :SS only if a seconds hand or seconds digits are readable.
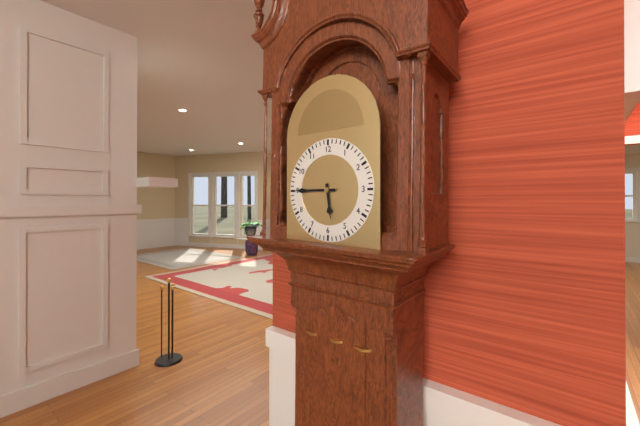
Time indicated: 5:45
